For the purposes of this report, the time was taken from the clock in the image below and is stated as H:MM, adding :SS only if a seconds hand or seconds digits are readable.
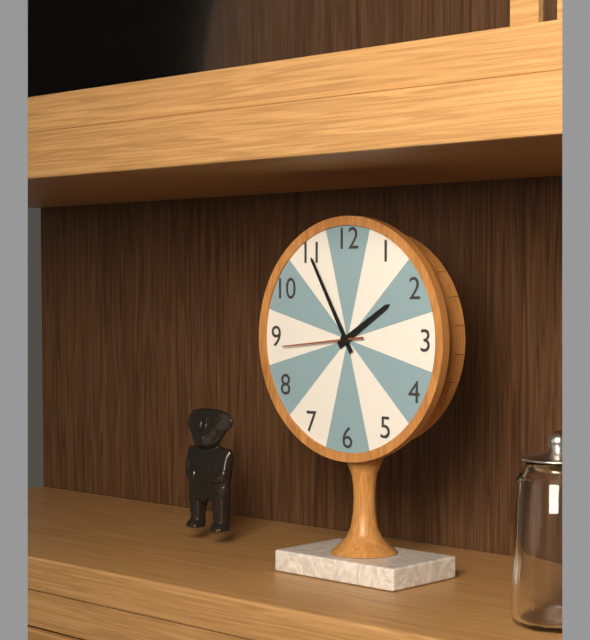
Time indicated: 1:55:44
